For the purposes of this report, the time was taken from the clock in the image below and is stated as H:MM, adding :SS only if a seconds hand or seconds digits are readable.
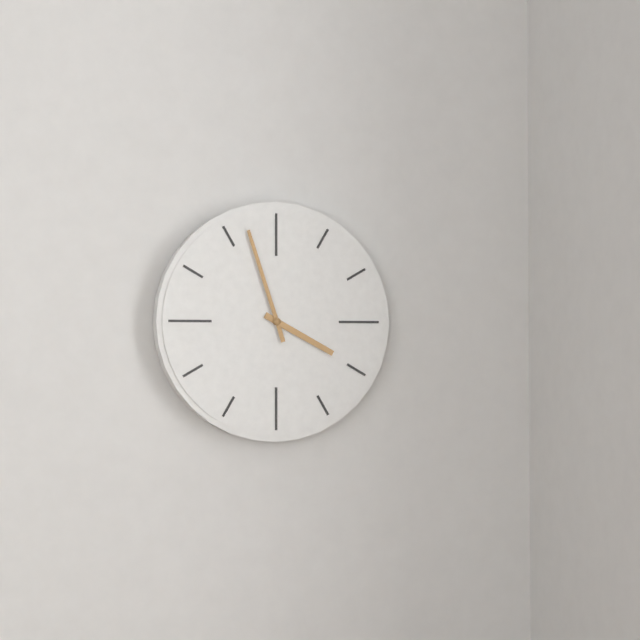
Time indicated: 3:57
